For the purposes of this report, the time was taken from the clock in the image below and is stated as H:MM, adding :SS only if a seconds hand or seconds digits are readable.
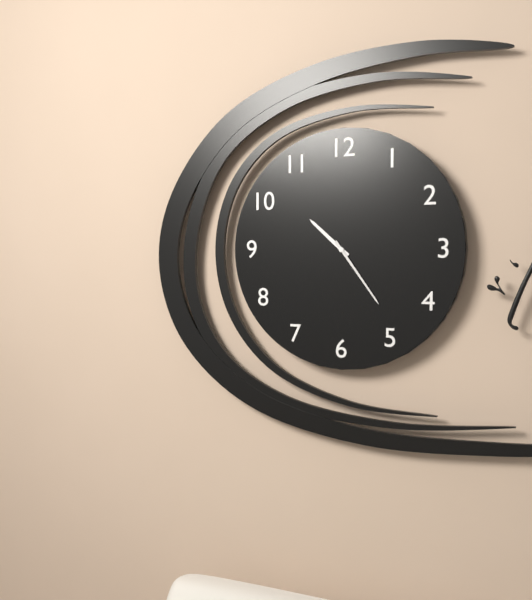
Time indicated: 10:24
